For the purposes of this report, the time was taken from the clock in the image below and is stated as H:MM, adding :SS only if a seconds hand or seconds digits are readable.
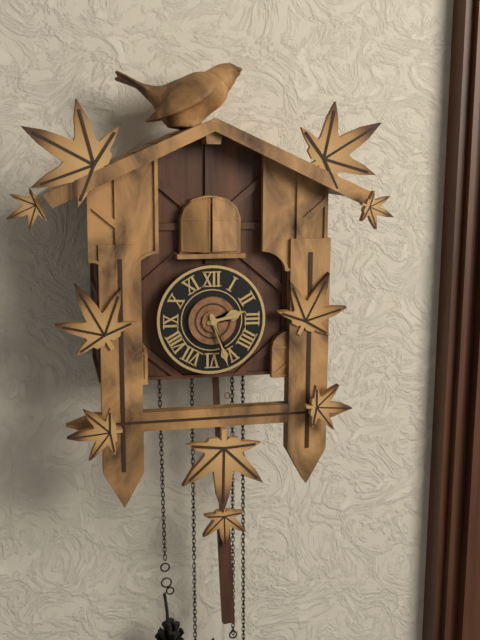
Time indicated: 2:27
